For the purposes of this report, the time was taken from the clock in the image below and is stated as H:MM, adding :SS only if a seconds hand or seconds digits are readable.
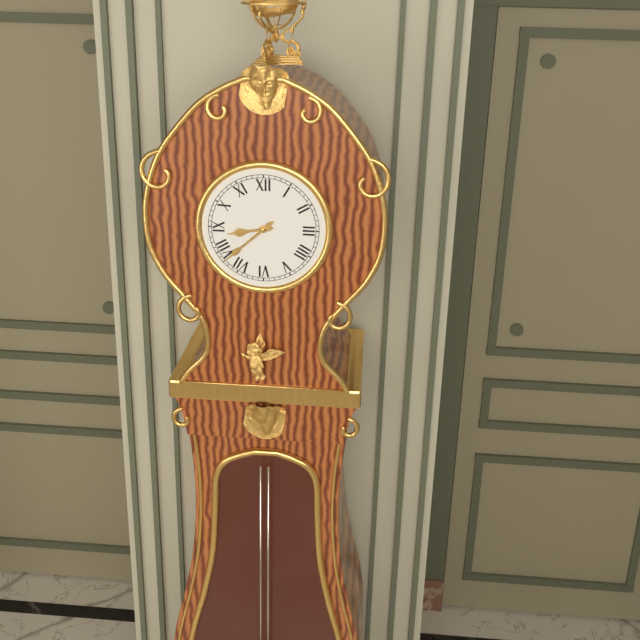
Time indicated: 8:38
